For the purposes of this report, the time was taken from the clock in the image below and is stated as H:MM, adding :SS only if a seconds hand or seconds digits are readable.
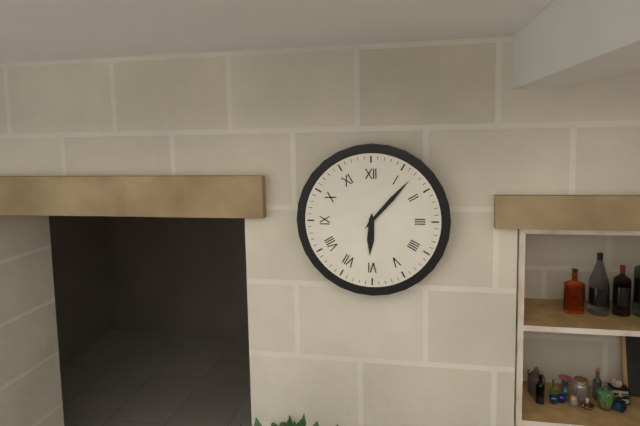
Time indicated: 6:07
